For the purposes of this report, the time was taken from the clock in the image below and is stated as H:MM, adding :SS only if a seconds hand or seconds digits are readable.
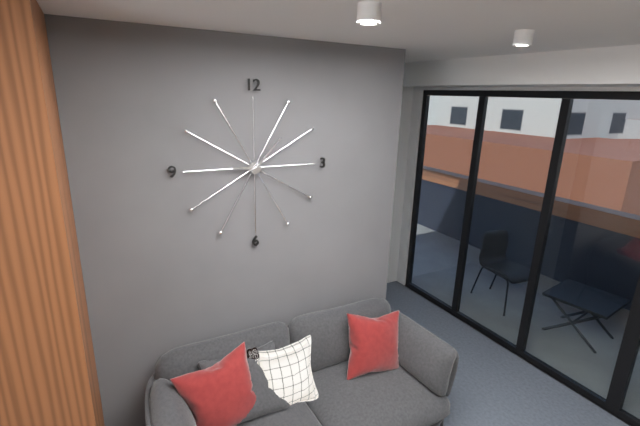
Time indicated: 9:07
